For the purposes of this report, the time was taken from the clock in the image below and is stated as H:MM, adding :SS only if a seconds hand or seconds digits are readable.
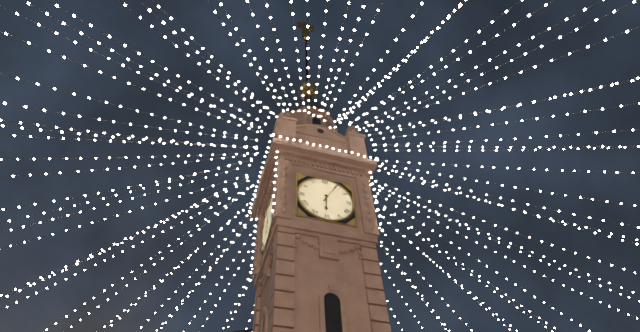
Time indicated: 6:05
